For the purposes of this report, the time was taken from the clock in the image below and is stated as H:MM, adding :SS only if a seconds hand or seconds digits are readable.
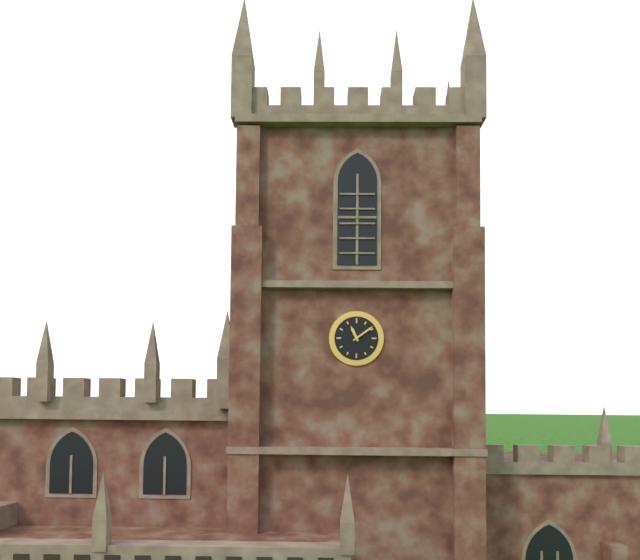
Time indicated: 11:09
